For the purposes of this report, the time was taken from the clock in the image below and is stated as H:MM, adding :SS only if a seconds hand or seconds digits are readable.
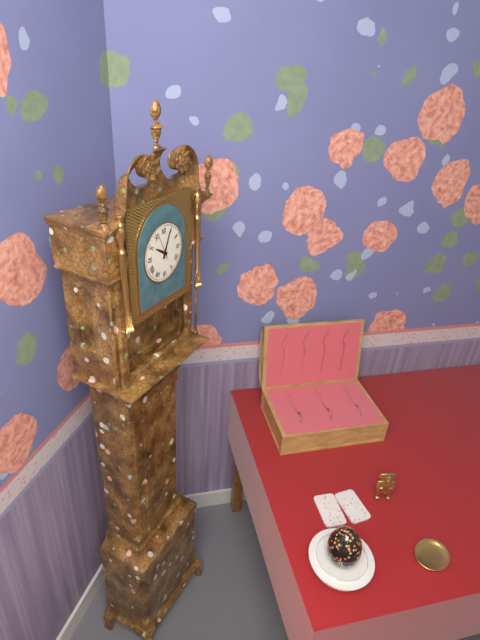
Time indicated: 10:04
